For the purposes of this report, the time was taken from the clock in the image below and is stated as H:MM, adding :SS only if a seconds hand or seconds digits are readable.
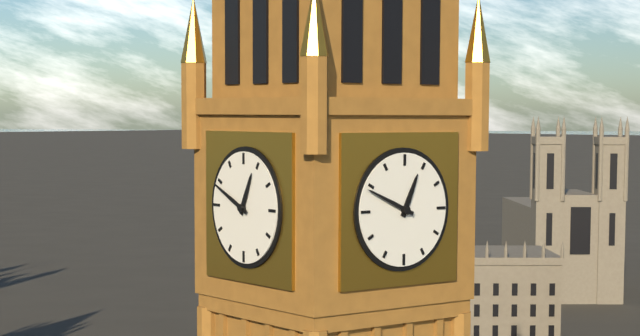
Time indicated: 12:49
